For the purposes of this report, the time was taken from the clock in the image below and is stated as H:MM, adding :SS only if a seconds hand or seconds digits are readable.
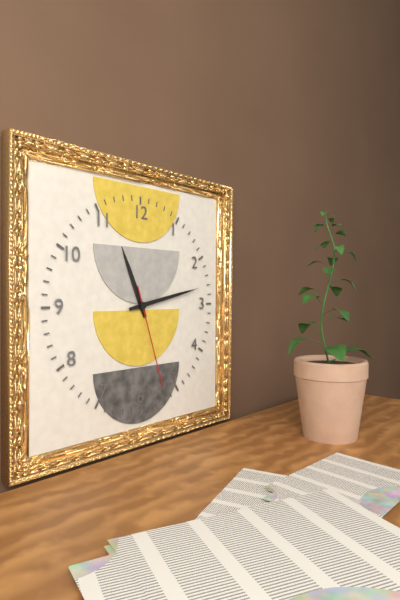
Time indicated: 11:13:27
